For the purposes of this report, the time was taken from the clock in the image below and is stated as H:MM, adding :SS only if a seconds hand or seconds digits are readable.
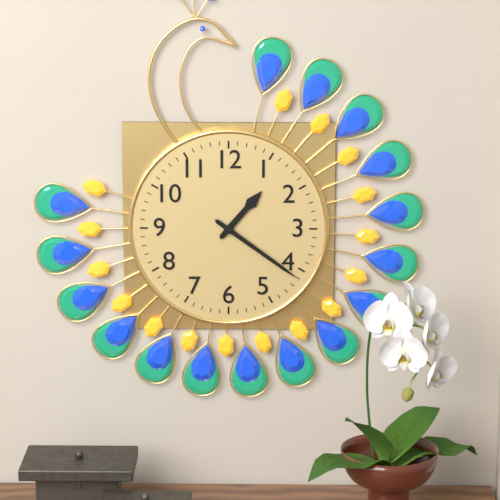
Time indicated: 1:21
